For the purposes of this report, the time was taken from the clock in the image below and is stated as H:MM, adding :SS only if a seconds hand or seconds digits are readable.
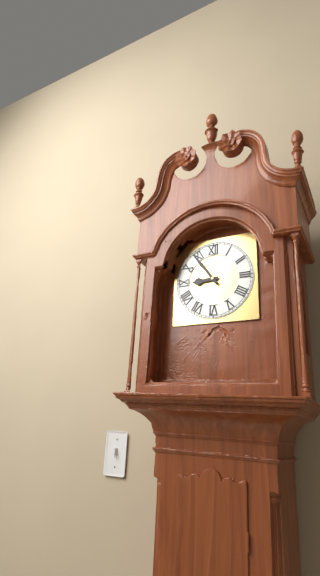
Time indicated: 8:54
